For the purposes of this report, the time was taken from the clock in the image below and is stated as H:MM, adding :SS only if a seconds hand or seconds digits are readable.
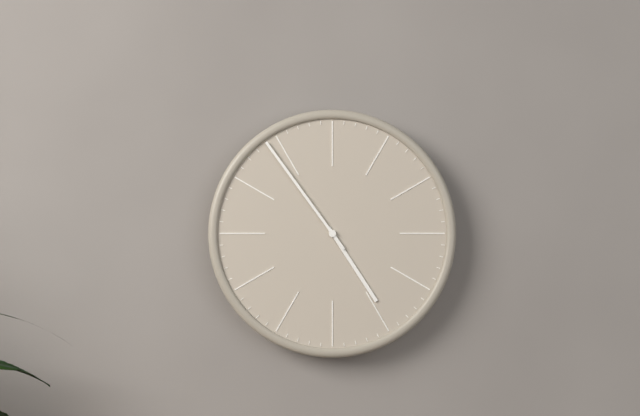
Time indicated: 4:54
